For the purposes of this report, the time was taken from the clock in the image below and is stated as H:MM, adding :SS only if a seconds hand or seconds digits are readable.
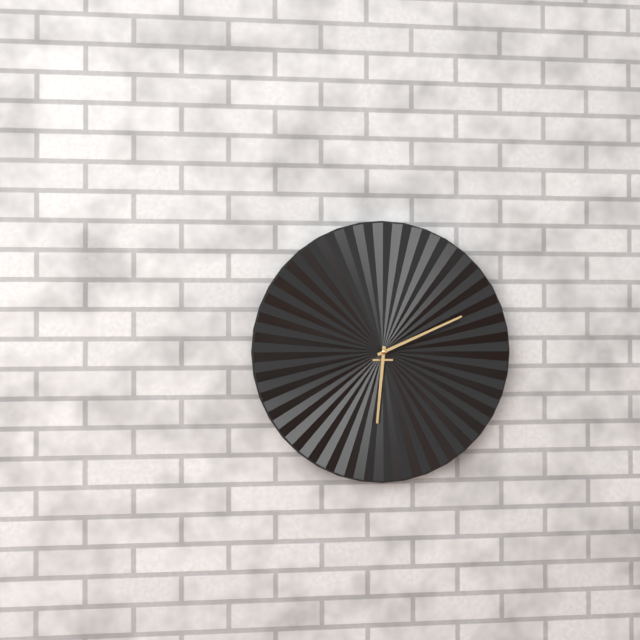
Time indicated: 6:11
